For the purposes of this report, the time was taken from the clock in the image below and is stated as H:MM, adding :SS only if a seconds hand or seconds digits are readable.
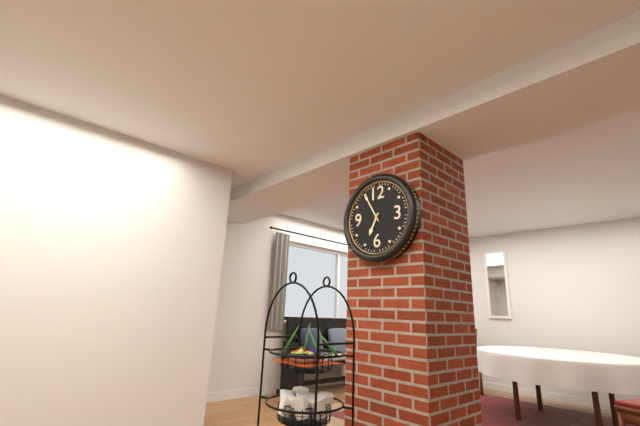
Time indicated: 6:55
